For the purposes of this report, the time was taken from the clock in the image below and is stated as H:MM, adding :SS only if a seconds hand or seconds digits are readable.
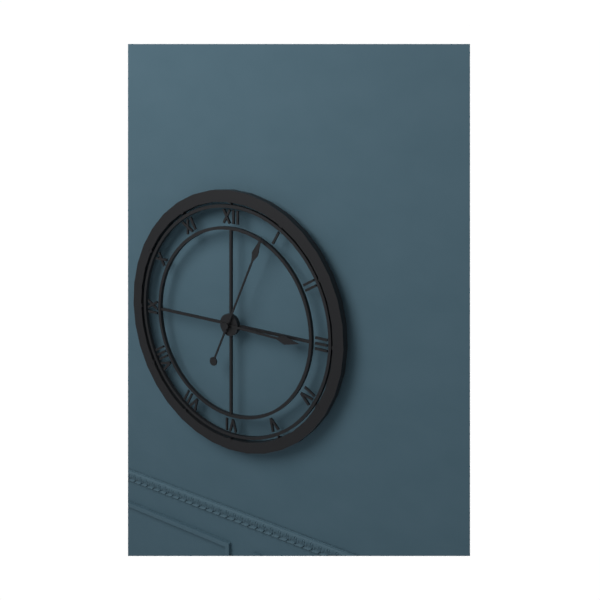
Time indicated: 3:04
